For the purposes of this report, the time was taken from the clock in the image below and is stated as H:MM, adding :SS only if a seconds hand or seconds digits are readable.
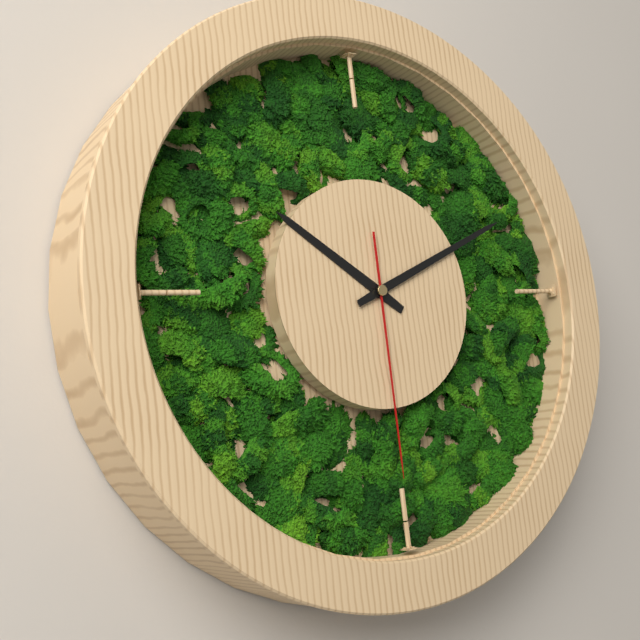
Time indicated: 10:11:30
